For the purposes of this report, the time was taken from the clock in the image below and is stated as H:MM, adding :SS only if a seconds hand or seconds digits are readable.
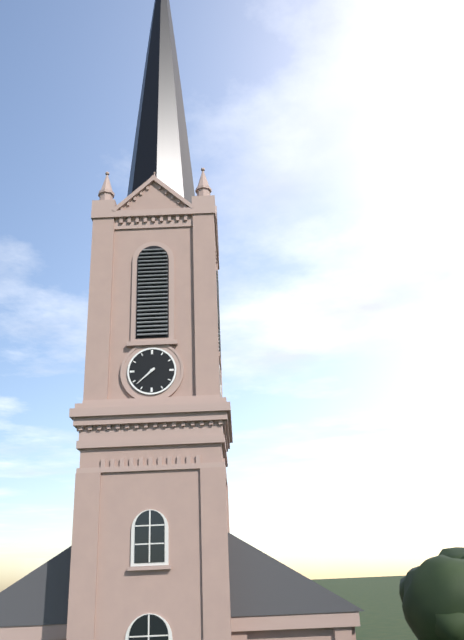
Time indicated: 7:38
